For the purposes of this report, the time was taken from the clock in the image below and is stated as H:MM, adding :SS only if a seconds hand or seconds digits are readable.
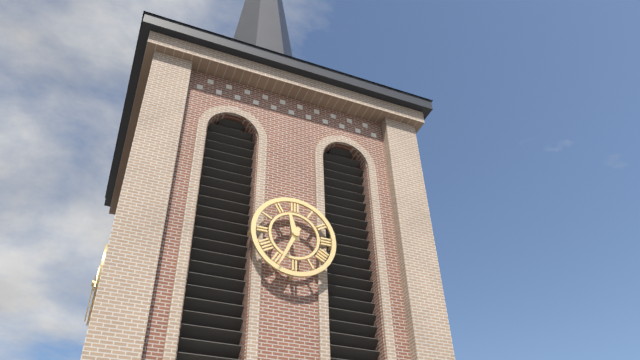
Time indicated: 11:34
